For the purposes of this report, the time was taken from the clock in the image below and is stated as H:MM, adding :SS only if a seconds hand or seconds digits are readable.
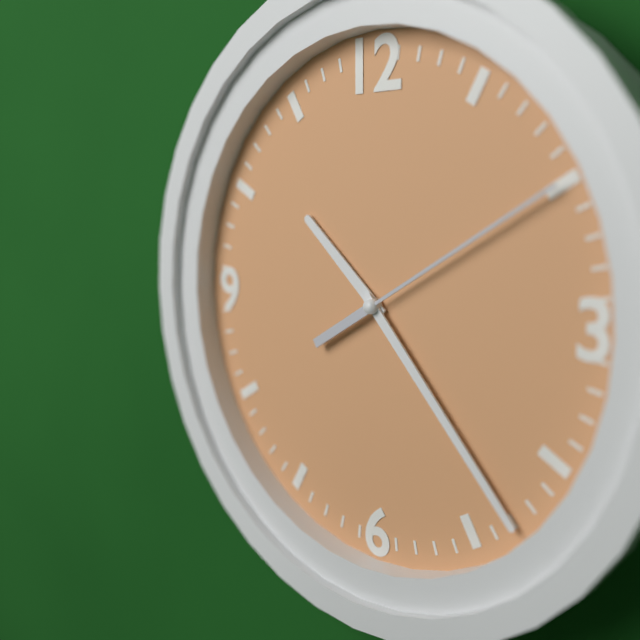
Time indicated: 10:23:10
